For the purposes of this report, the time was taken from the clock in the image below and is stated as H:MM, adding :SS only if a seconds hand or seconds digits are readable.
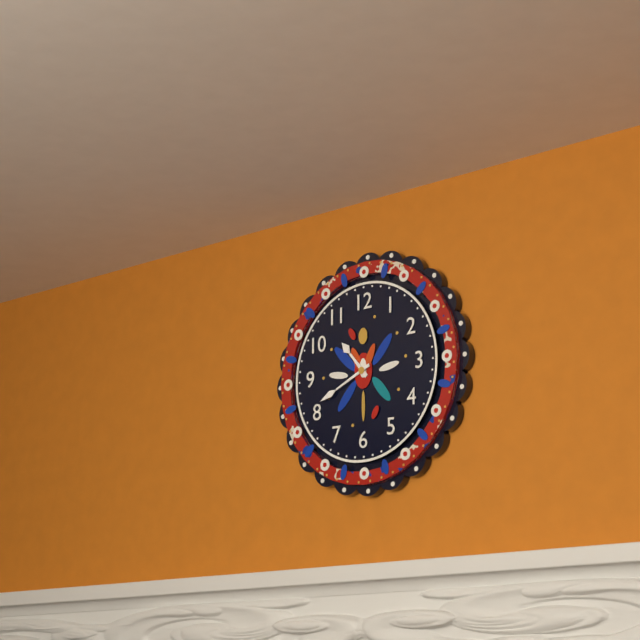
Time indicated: 10:41
